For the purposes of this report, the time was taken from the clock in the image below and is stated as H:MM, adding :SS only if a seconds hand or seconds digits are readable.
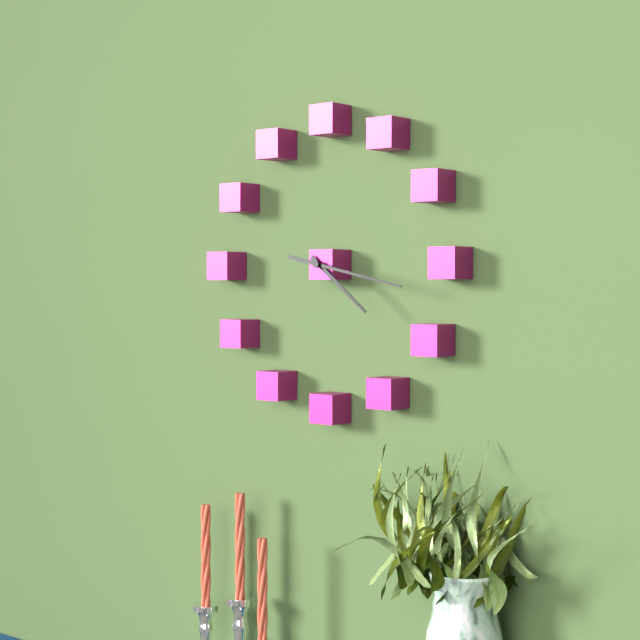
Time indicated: 4:17
